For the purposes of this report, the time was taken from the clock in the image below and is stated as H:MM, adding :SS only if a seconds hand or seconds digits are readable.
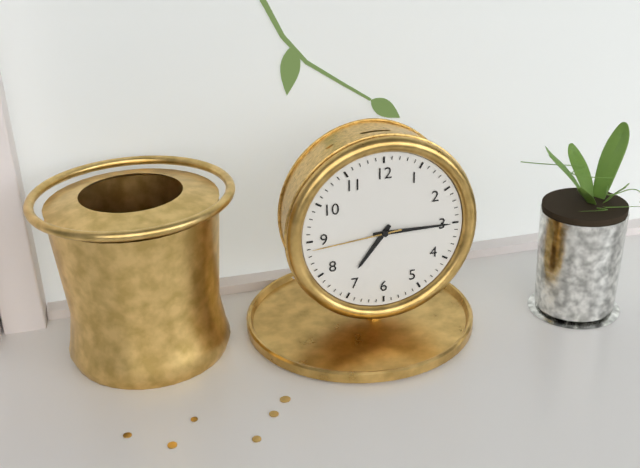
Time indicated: 7:15:44
